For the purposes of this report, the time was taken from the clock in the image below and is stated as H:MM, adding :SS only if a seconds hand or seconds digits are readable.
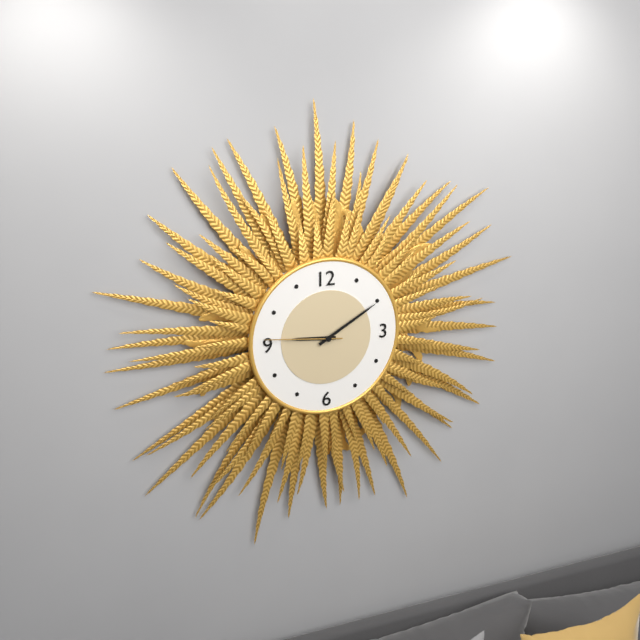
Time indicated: 9:10:46
